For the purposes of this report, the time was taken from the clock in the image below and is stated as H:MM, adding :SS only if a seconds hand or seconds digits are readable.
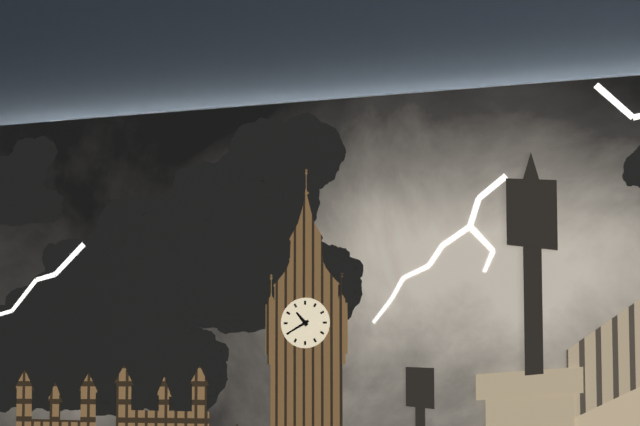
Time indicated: 10:40
